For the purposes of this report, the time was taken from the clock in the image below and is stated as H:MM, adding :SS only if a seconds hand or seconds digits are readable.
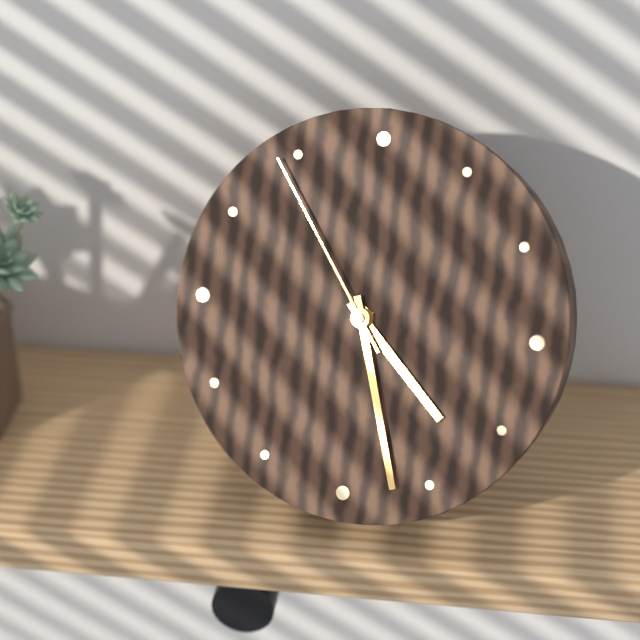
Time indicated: 4:27:54
